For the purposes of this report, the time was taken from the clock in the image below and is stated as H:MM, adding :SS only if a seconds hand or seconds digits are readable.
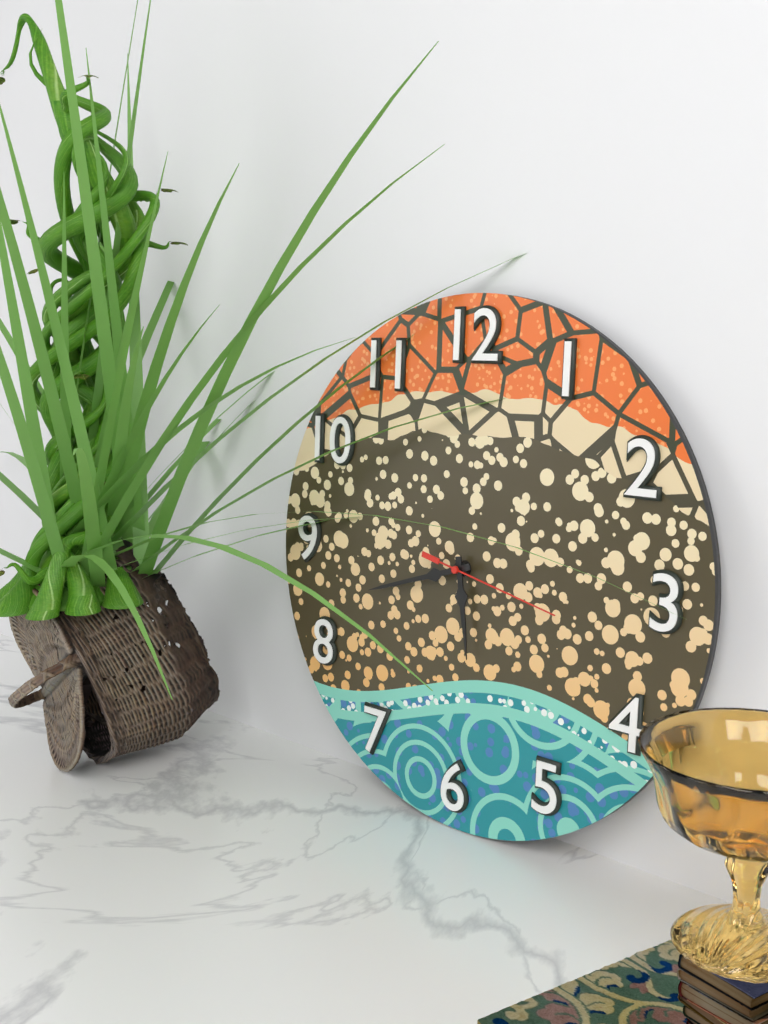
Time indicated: 5:42:17
